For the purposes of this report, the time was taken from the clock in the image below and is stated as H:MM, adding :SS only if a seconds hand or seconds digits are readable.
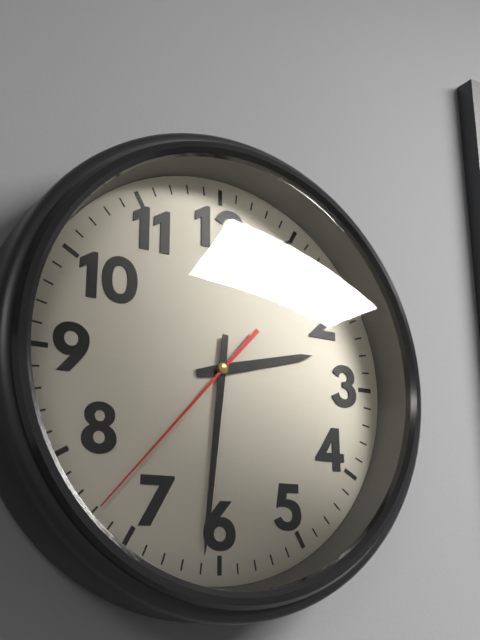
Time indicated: 2:31:37
